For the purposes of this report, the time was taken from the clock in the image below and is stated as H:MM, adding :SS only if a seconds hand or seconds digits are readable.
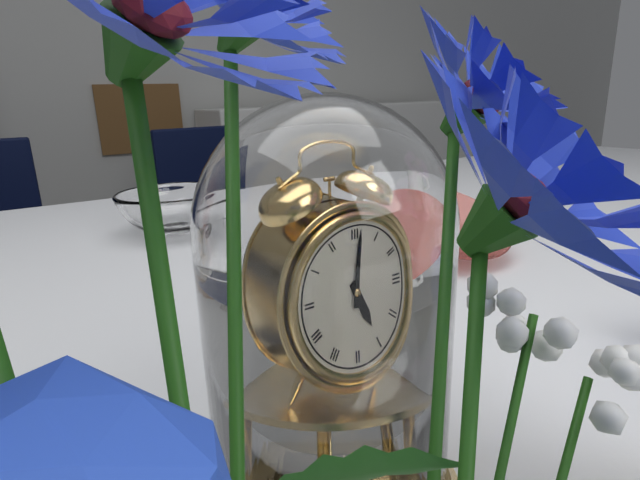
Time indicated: 5:01
